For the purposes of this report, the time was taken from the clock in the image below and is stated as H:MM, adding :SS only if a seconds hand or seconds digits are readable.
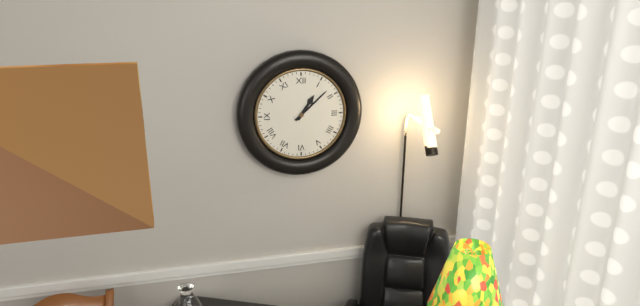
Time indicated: 1:08
